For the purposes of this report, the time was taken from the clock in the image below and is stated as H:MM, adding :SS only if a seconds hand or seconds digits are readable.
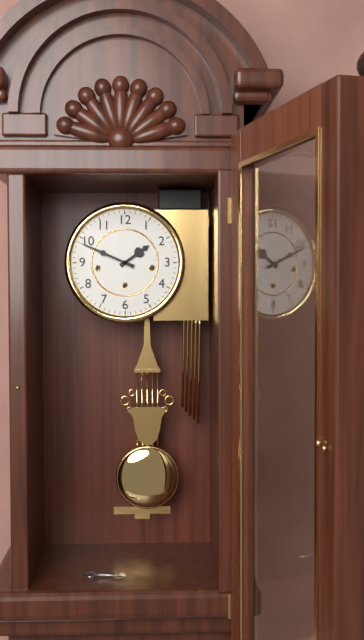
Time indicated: 1:49
